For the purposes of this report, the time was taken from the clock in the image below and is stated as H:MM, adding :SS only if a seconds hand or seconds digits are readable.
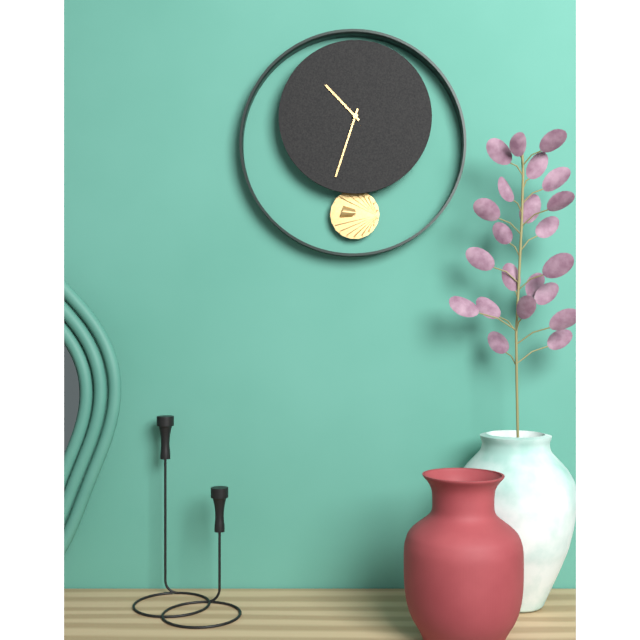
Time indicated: 10:33
